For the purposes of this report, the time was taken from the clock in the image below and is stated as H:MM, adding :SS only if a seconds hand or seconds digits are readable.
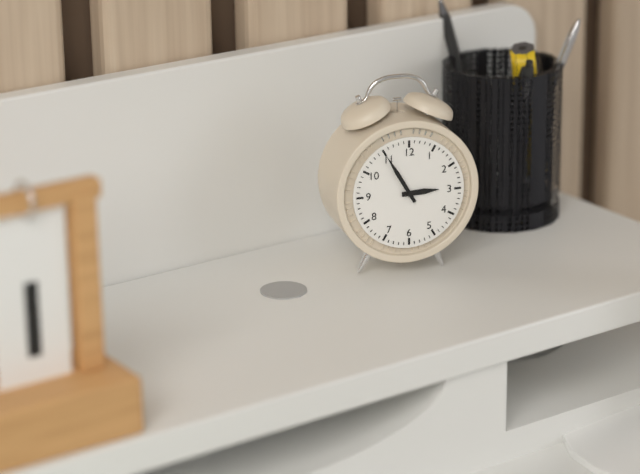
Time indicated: 2:55
